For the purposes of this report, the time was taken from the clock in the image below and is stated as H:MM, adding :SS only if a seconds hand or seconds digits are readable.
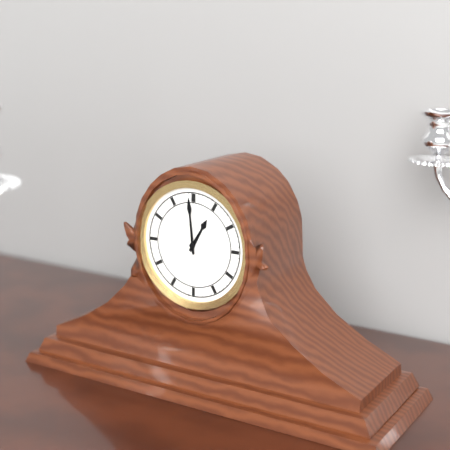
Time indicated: 12:59
